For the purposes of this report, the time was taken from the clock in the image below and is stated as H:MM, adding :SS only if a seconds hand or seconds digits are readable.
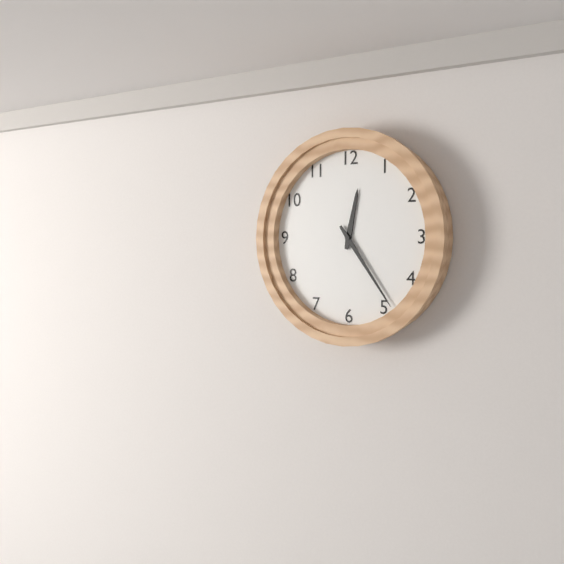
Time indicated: 12:24
